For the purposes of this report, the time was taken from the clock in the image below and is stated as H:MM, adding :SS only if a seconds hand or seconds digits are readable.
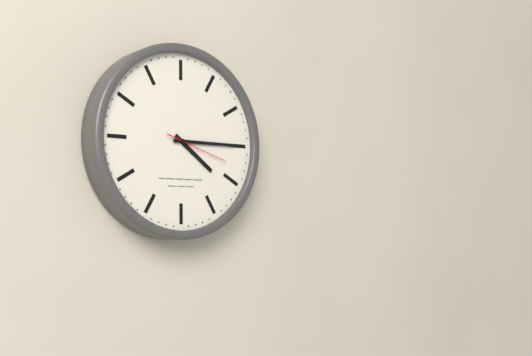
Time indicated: 4:15:18
